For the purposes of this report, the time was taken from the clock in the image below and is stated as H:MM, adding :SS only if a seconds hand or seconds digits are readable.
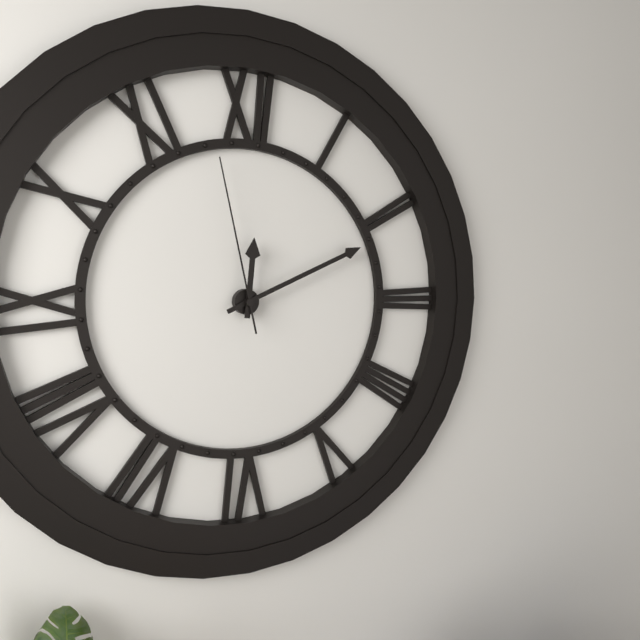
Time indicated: 12:11:58
